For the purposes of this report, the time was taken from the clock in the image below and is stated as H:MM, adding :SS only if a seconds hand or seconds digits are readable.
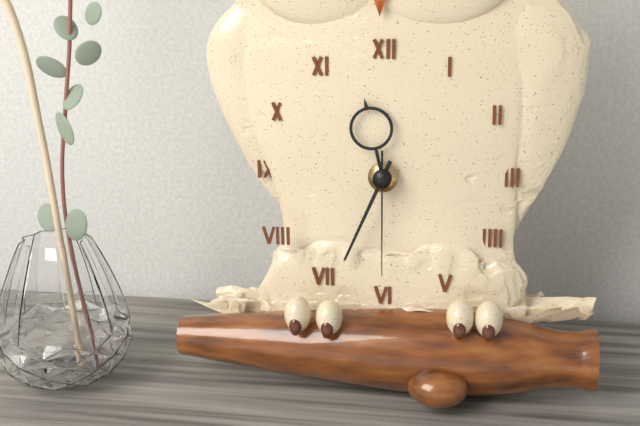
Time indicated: 11:34:30
